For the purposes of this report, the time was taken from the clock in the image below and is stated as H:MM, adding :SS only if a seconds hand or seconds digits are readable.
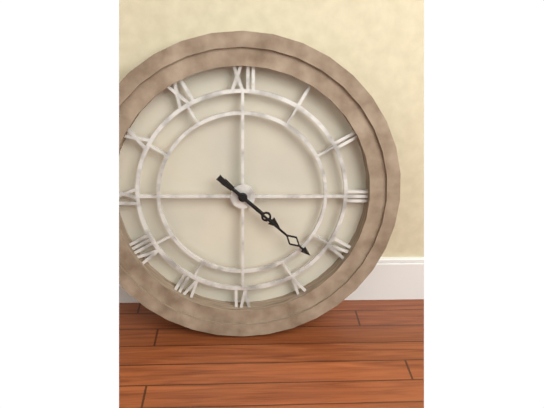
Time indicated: 4:22
